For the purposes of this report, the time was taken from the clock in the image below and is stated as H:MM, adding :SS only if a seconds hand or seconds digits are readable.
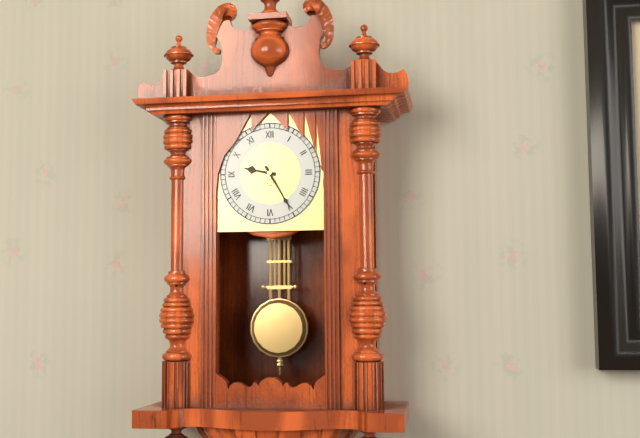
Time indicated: 9:25
